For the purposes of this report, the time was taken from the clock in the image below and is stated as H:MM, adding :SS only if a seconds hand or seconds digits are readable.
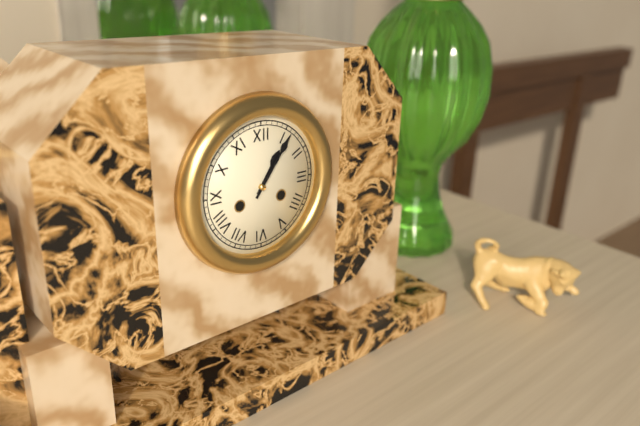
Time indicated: 1:06
